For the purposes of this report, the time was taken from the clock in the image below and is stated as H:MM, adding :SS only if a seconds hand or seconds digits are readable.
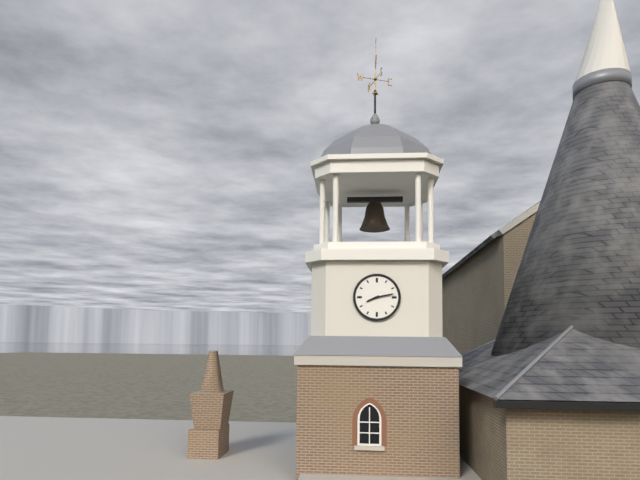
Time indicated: 8:13
